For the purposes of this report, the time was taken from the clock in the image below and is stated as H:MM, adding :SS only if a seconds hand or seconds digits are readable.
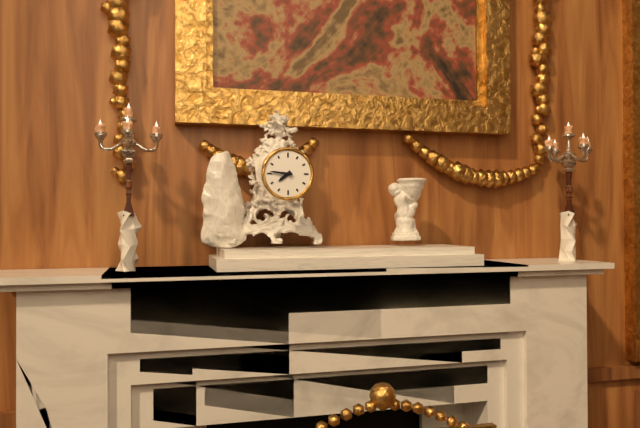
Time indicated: 7:46
